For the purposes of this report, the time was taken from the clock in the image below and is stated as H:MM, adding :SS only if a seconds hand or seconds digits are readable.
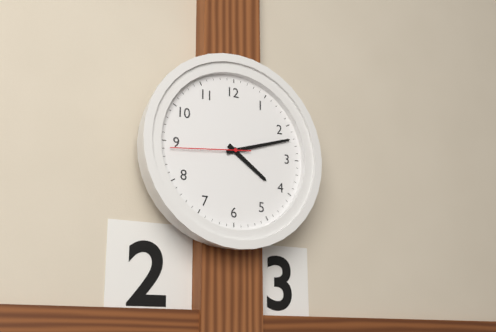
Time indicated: 4:12:44
